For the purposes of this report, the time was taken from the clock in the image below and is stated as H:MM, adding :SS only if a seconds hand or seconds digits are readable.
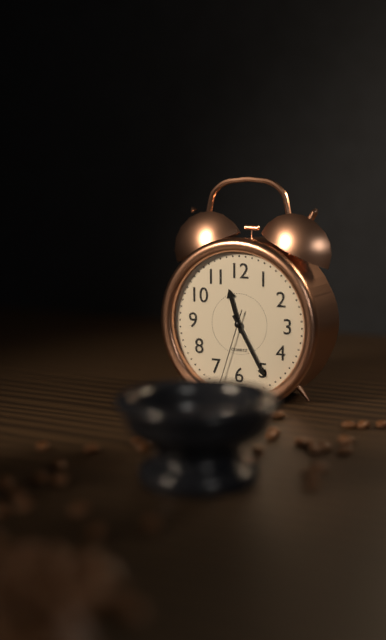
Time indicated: 11:25:33
